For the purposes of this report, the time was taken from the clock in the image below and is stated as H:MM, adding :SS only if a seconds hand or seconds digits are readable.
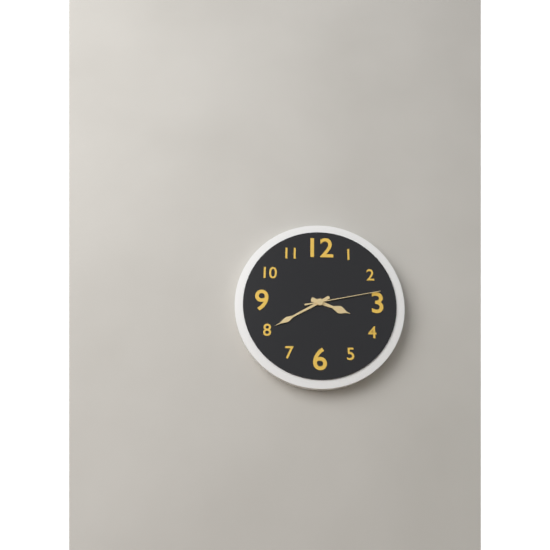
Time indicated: 3:40:13
